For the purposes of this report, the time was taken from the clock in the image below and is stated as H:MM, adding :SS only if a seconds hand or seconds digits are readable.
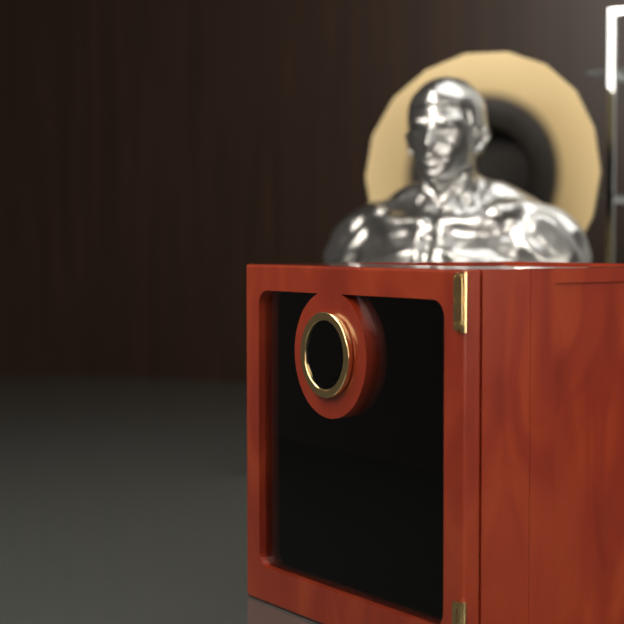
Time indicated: 2:12
